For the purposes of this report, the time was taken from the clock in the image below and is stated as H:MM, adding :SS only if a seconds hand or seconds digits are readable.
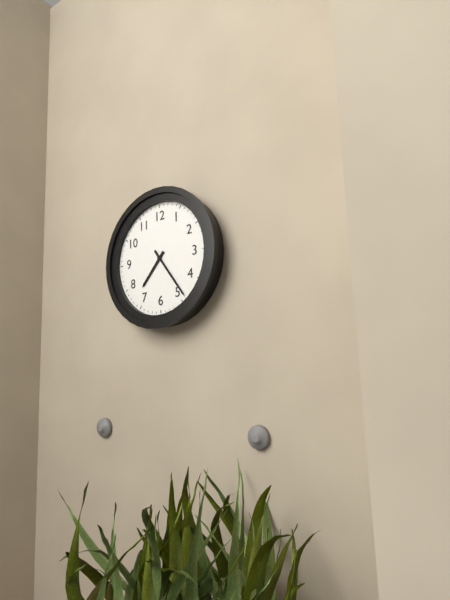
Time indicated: 7:24
